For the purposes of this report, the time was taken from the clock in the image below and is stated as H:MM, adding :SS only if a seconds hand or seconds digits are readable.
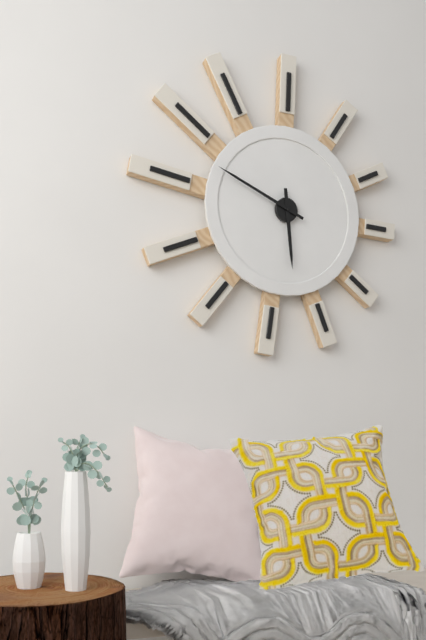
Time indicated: 5:49
